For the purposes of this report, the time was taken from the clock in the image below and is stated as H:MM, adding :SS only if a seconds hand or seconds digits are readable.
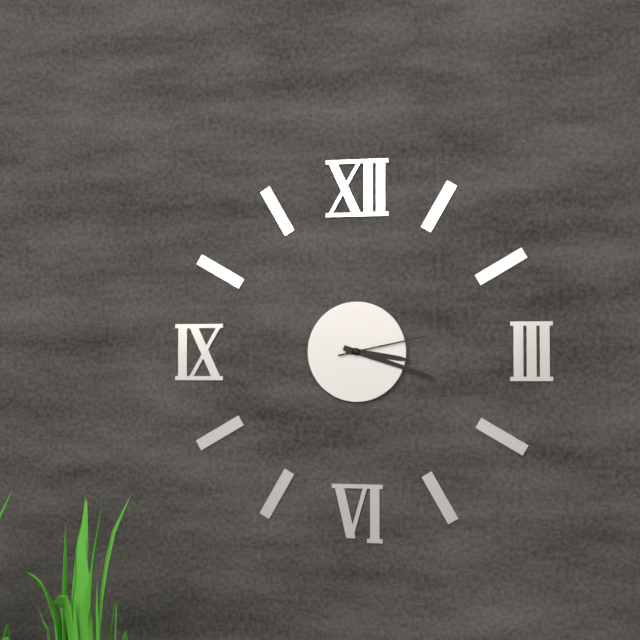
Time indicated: 3:18:13
